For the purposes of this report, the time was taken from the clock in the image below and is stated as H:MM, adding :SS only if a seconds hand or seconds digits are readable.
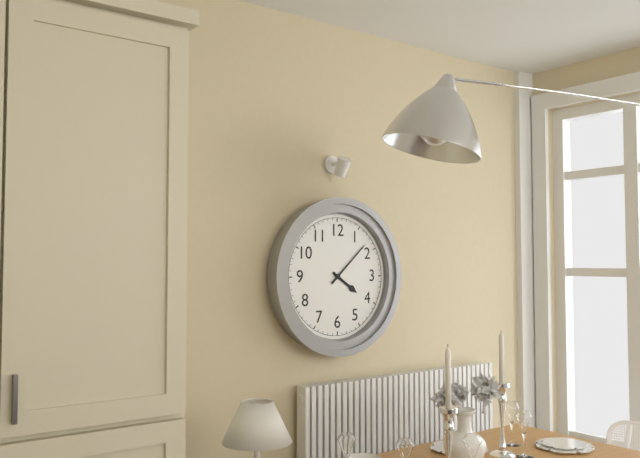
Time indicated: 4:08
